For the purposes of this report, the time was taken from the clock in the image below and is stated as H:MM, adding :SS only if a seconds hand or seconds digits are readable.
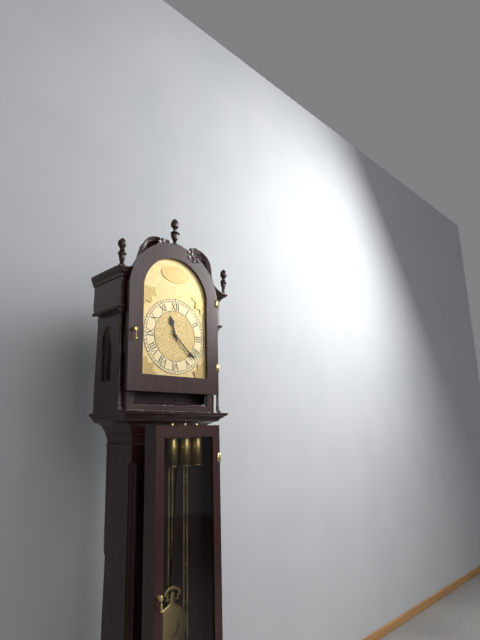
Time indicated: 11:22
